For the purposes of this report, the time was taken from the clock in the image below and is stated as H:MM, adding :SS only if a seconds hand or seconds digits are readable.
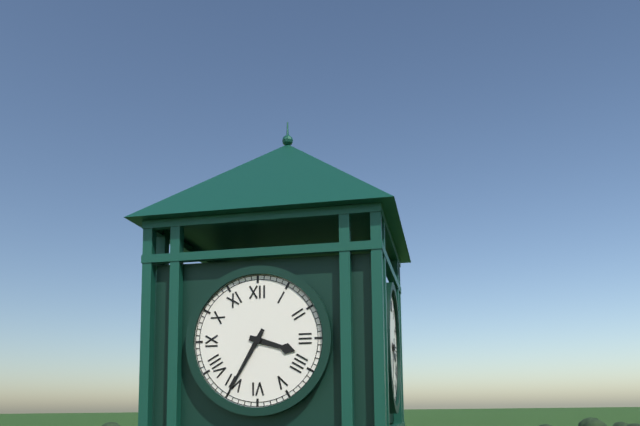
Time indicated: 3:35
